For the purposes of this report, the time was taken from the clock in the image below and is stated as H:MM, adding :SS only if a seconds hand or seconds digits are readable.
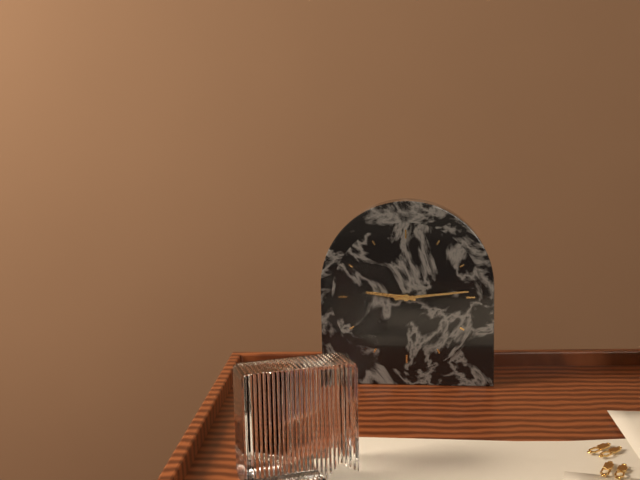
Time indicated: 9:14
